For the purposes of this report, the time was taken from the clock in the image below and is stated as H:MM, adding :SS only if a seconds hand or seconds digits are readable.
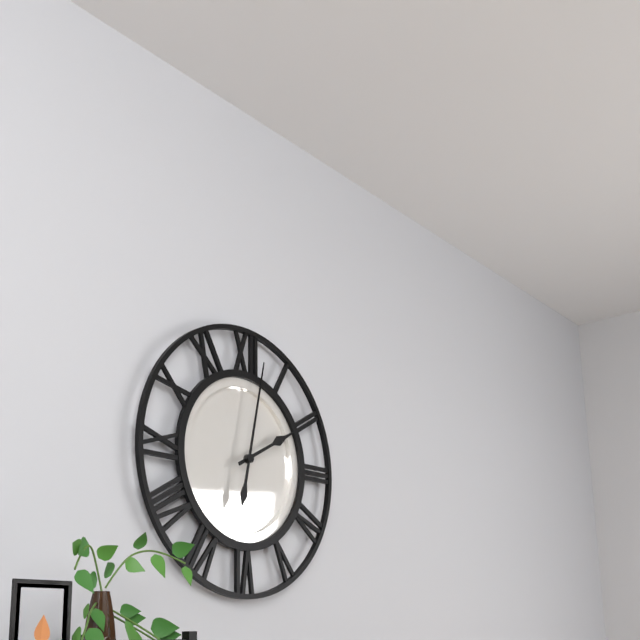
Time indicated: 2:02
